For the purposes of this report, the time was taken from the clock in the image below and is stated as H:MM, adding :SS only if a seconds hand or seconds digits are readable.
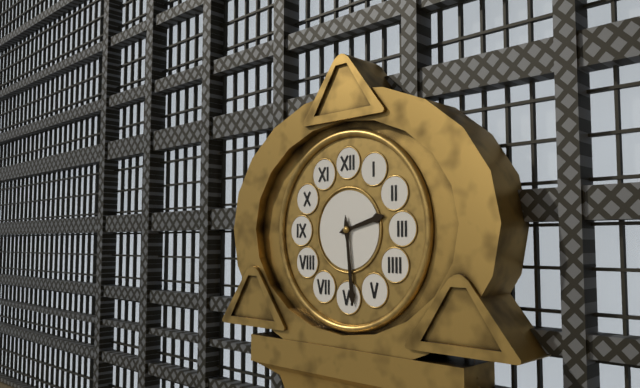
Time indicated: 2:29
